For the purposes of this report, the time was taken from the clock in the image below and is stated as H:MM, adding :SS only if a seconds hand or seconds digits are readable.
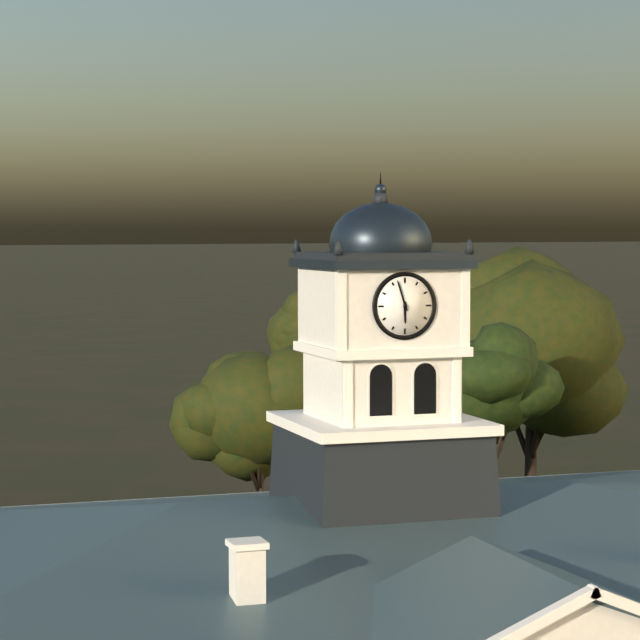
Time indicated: 5:57
